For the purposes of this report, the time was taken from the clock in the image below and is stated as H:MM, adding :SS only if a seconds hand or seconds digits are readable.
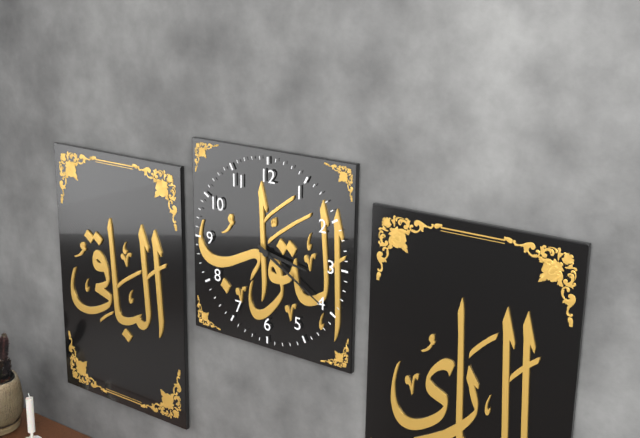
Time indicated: 3:20
